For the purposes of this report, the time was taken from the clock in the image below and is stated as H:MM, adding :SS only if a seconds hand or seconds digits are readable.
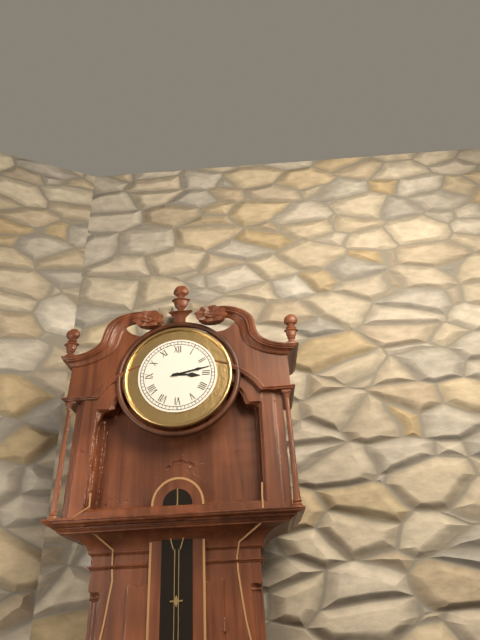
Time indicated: 3:13
